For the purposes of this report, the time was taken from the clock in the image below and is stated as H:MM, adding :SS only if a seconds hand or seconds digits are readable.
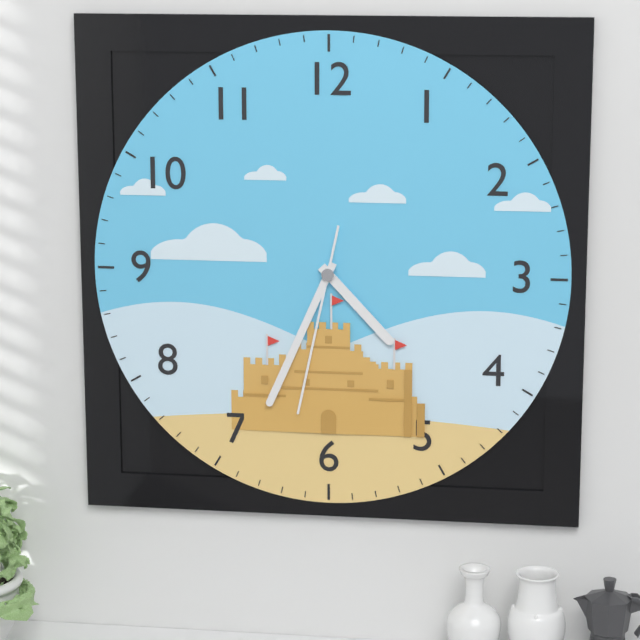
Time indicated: 4:34:32
